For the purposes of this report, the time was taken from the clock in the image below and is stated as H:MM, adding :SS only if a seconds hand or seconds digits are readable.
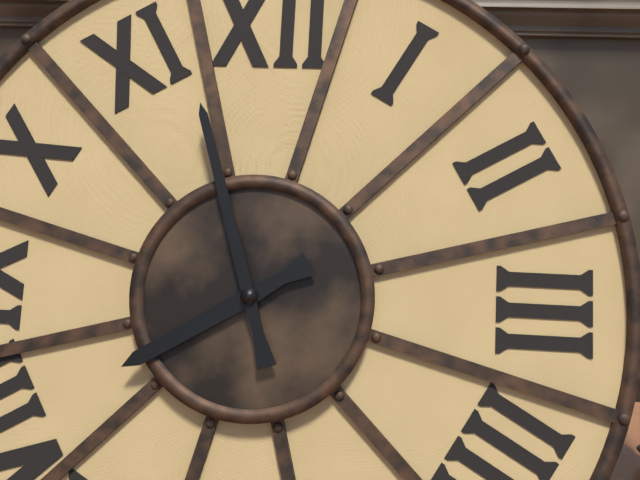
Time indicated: 7:57
